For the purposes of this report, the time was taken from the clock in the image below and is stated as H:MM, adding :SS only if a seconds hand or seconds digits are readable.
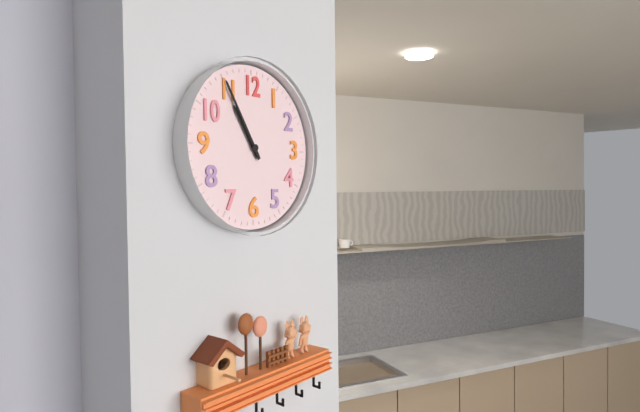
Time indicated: 10:55
